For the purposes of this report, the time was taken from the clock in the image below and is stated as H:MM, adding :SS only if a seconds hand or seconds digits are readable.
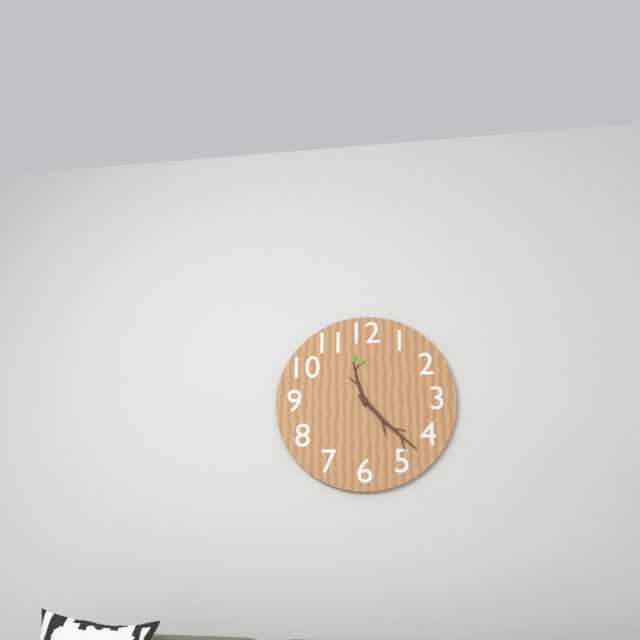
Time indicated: 11:23
